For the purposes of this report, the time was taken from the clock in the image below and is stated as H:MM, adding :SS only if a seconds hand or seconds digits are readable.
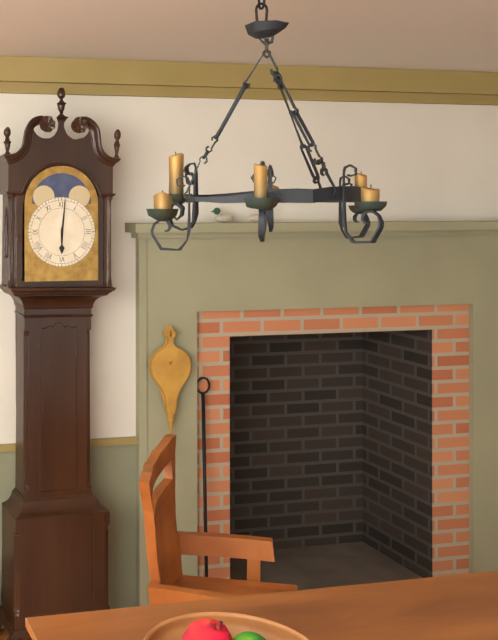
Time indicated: 6:01
